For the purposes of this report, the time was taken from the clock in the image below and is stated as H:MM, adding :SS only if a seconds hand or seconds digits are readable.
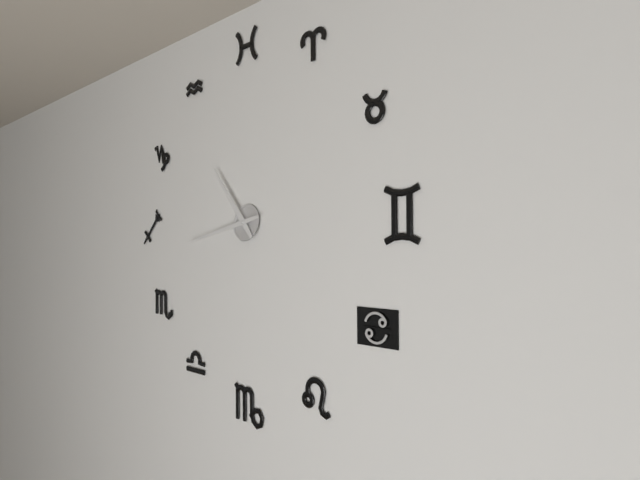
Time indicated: 10:43
